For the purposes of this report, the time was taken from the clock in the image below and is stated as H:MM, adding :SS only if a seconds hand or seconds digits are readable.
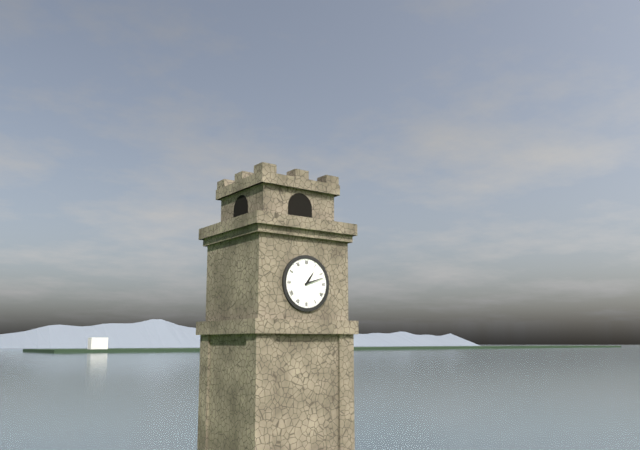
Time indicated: 1:12
